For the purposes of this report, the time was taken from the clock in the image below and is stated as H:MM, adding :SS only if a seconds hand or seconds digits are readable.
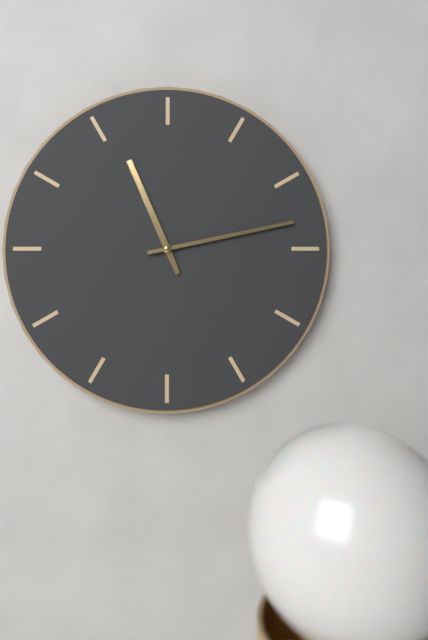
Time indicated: 11:13
